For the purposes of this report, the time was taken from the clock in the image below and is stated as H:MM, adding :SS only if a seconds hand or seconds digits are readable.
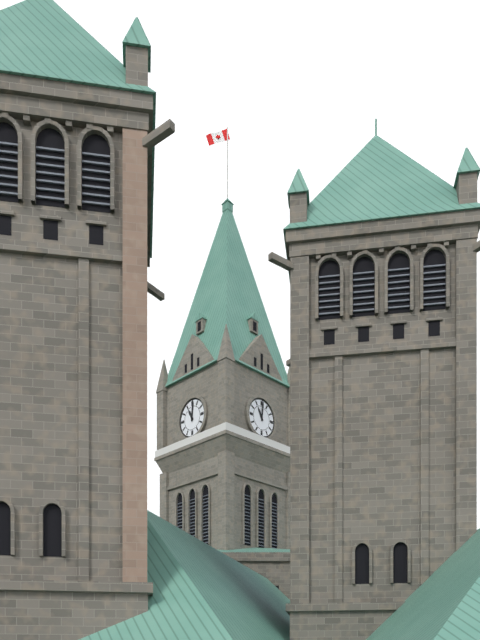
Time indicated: 11:01
